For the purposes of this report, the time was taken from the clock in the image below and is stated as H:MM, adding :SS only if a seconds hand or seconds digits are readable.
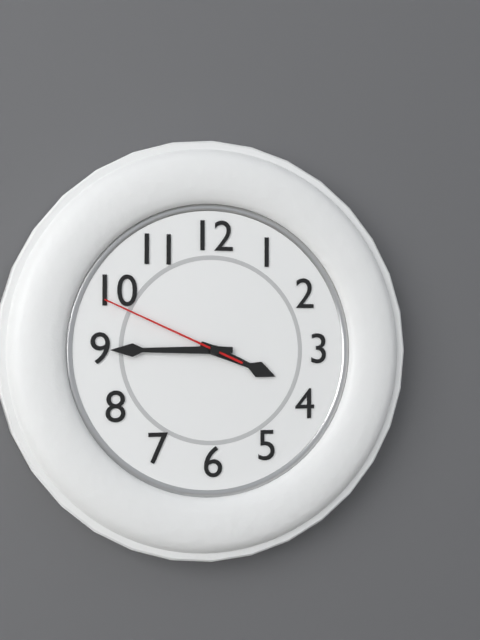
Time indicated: 3:45:49
